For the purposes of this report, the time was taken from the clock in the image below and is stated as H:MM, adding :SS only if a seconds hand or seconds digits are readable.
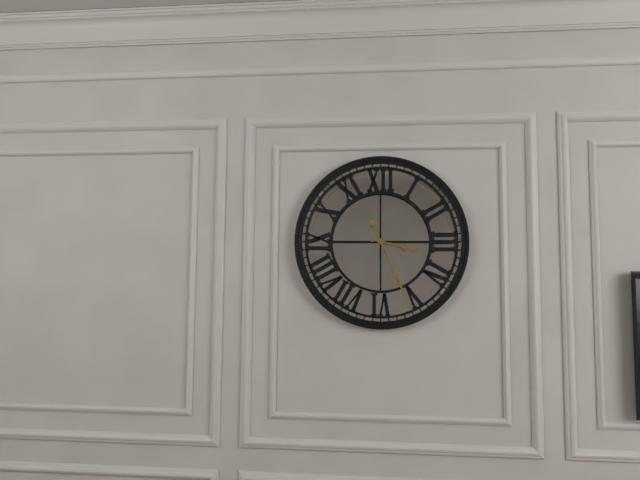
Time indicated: 3:26
